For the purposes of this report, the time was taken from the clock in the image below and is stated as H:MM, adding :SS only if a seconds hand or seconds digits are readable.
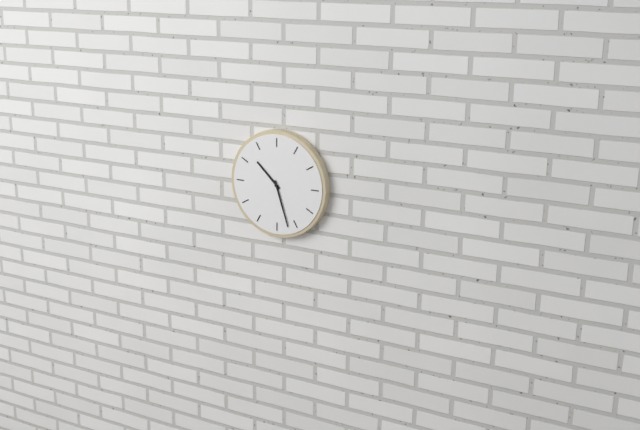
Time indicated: 10:27
